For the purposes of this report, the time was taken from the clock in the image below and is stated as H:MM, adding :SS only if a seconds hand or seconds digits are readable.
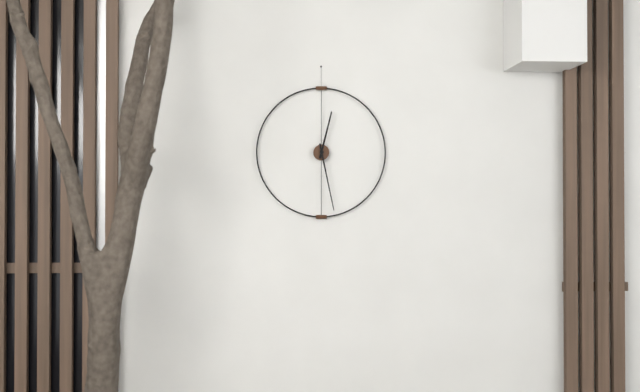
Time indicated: 12:28
